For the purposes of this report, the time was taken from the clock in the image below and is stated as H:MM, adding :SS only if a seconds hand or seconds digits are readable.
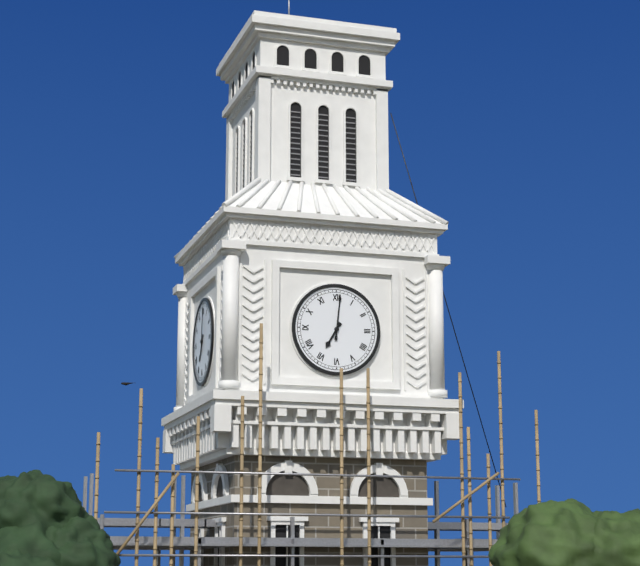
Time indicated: 7:01
